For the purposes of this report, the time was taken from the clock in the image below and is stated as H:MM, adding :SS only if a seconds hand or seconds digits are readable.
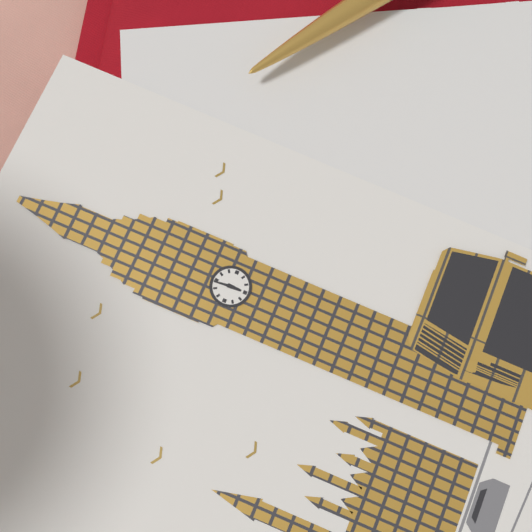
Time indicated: 5:59
